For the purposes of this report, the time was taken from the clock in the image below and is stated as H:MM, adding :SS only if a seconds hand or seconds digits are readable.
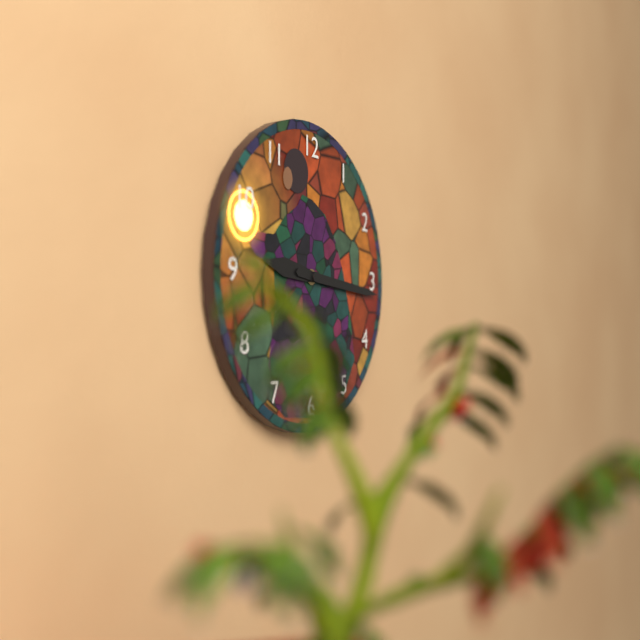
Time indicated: 9:16
